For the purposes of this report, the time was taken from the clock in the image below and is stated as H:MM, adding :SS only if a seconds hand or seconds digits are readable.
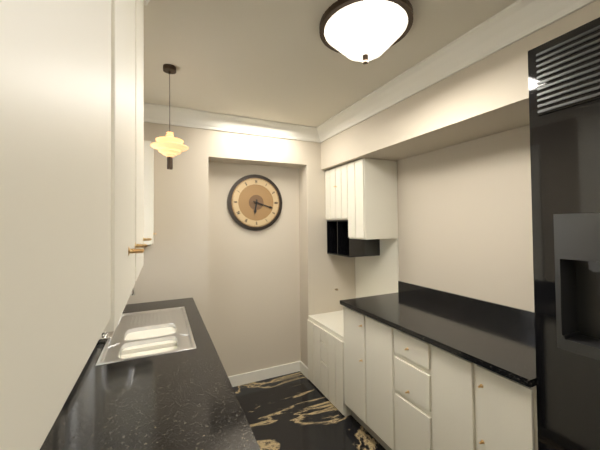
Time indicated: 6:18
